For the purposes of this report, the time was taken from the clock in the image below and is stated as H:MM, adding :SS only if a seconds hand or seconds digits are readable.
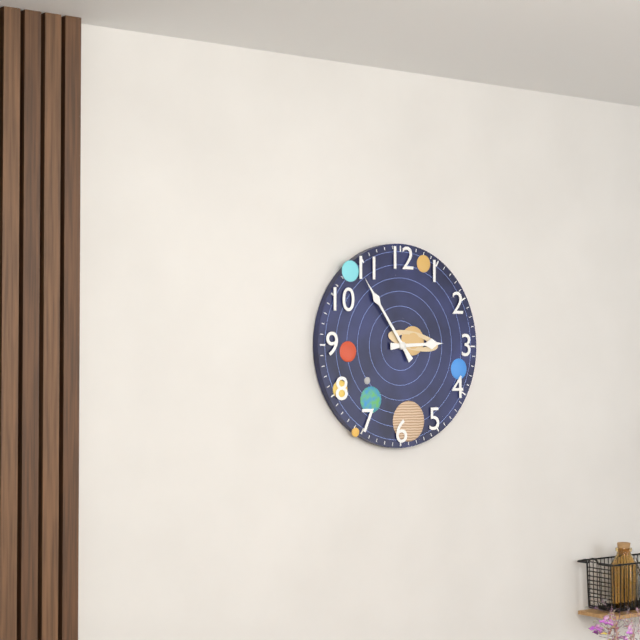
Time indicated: 2:54
